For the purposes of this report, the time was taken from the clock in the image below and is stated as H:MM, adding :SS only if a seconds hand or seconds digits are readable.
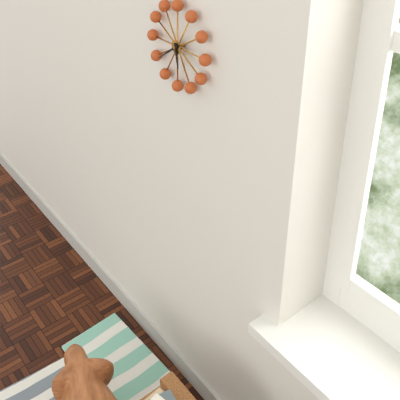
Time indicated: 5:39
